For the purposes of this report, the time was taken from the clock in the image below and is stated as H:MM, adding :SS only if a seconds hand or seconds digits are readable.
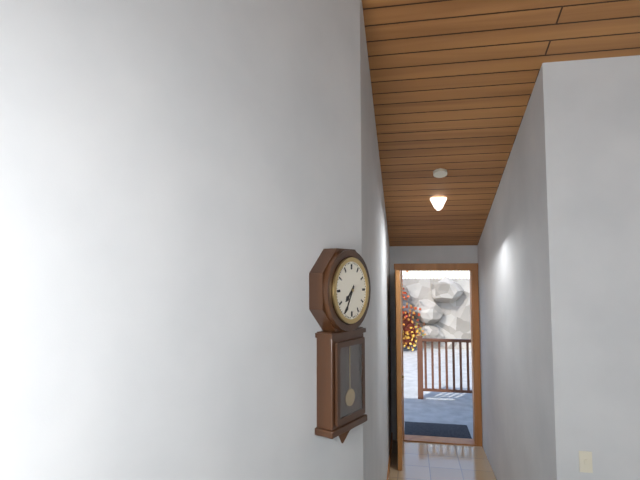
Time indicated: 7:35
